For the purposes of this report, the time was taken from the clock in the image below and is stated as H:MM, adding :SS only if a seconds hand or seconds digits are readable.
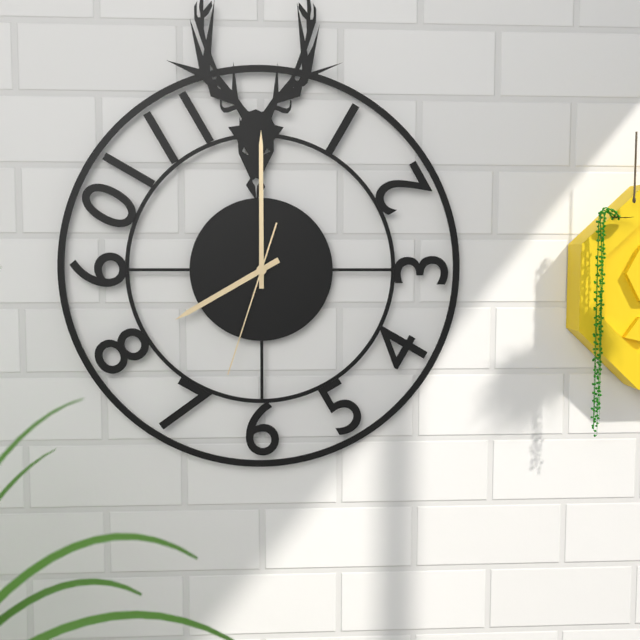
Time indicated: 8:00:33
